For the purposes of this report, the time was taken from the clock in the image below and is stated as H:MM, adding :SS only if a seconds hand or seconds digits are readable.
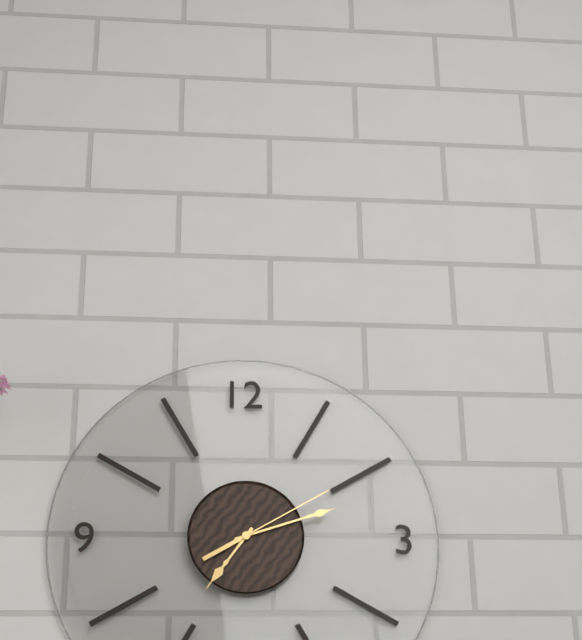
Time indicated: 7:12:10
